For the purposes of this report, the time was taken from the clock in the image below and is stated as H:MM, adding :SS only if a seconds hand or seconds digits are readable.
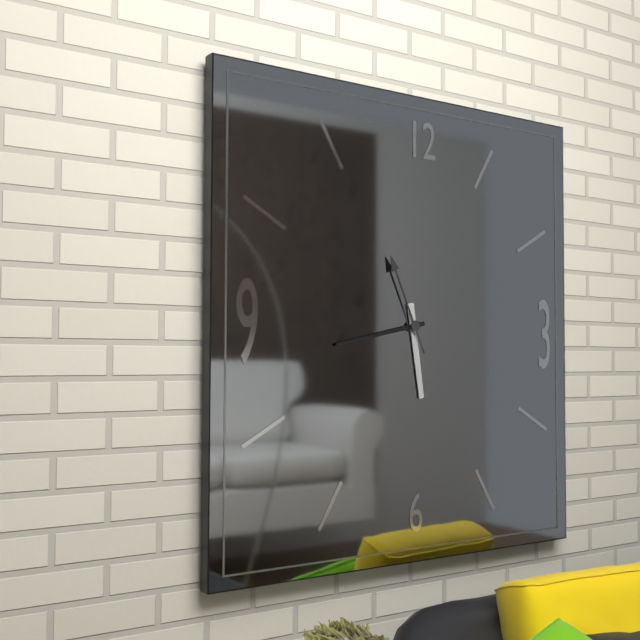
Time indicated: 5:43:56
